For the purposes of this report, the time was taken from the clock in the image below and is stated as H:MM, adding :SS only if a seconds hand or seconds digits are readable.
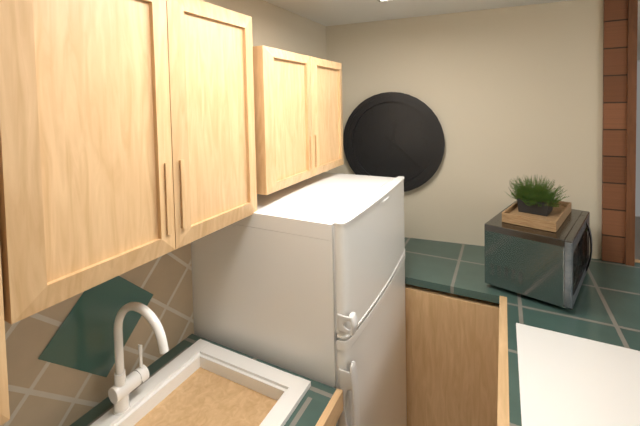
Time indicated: 12:22
